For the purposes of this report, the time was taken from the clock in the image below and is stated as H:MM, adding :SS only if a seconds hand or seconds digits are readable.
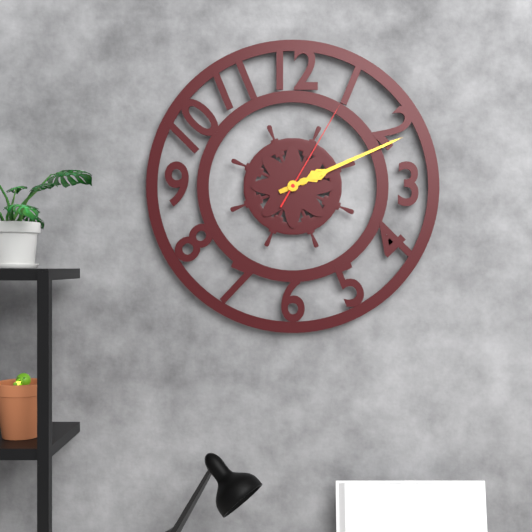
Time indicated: 2:11:05
